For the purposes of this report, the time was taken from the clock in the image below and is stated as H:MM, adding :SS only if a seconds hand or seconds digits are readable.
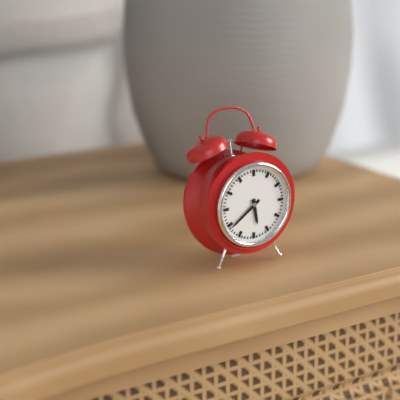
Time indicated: 5:39
